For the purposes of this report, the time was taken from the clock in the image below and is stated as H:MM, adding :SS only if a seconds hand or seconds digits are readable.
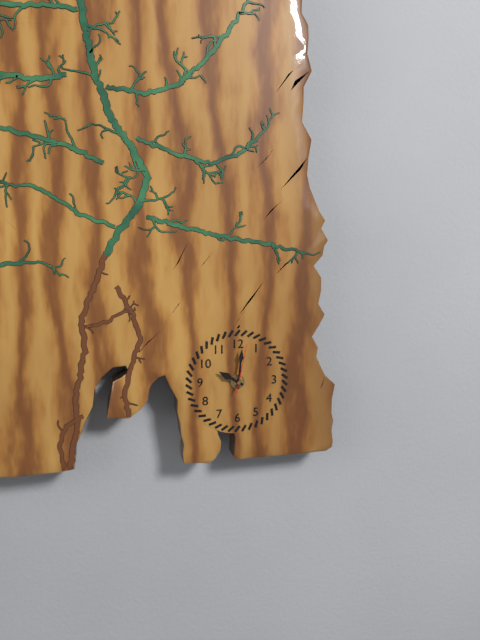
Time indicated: 10:01
